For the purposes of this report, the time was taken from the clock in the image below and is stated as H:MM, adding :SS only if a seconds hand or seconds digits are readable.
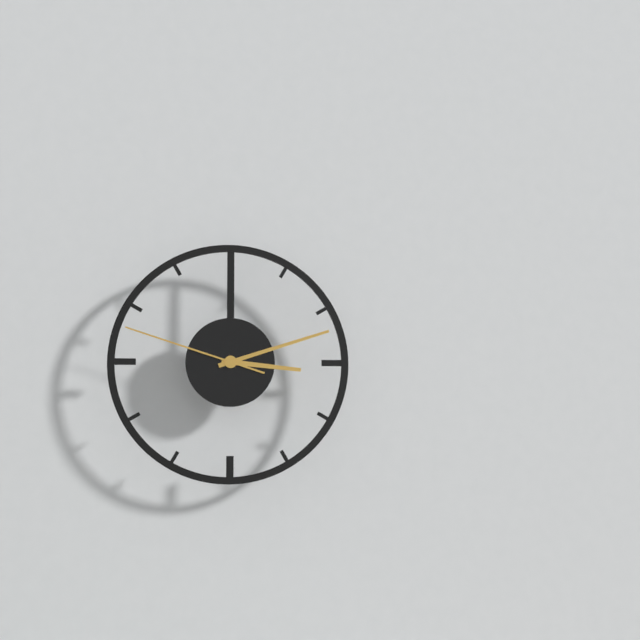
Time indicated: 3:12:48
